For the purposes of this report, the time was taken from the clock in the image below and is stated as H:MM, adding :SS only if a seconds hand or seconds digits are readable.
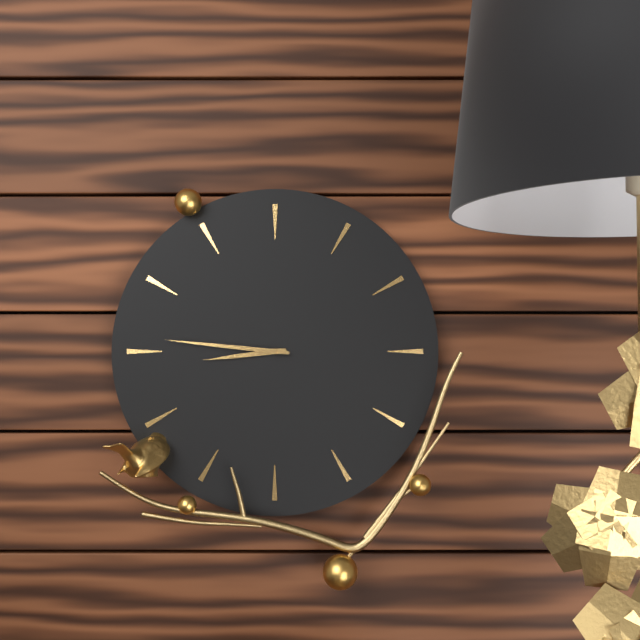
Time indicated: 8:46
